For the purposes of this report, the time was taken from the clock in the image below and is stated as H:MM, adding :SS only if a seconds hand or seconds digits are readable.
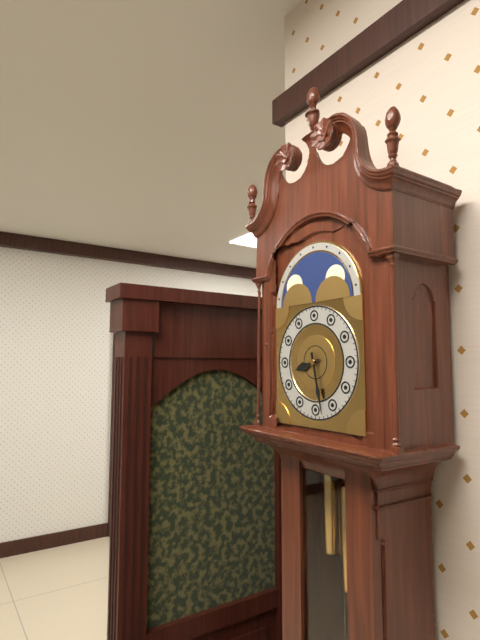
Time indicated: 8:28
